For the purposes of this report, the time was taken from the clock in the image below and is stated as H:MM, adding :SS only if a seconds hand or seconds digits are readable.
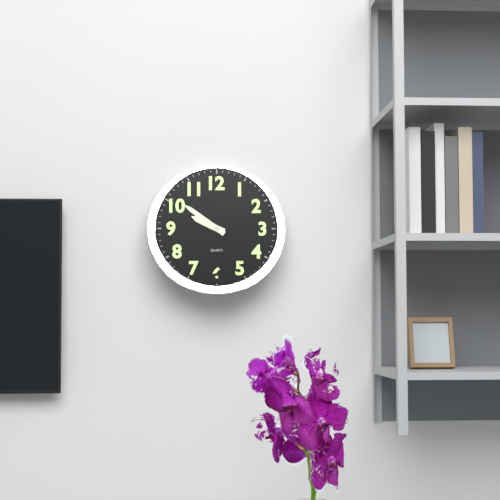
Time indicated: 9:51
